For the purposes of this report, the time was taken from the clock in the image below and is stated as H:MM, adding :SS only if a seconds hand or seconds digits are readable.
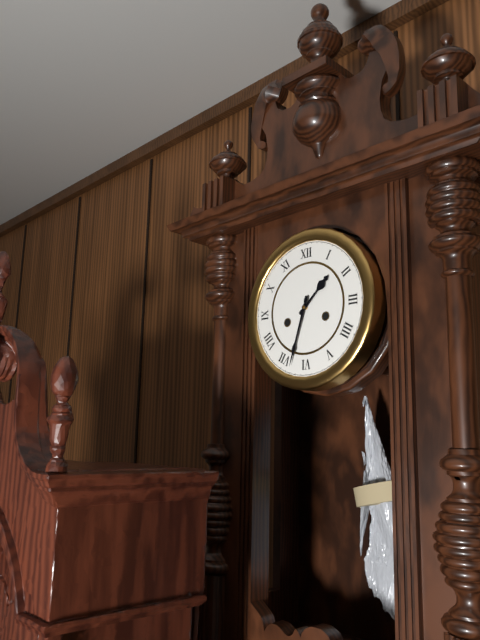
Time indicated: 1:33
